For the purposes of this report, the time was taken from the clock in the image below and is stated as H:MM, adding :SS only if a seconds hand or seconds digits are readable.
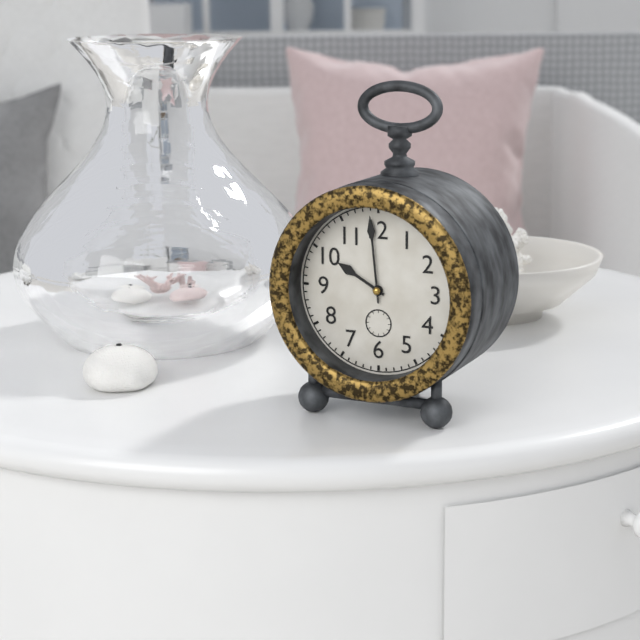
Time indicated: 9:59
